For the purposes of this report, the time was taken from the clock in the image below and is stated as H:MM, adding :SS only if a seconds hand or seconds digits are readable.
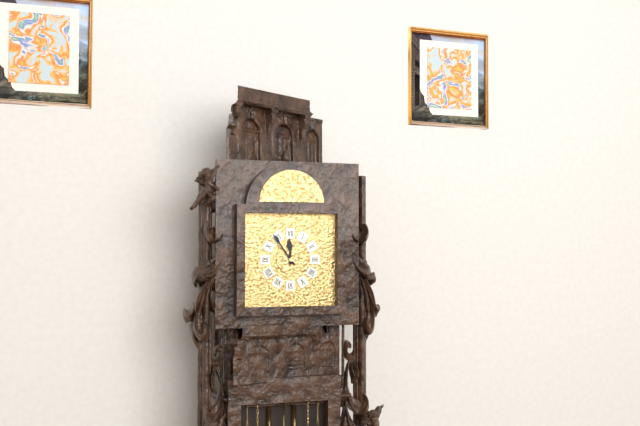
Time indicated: 11:54
